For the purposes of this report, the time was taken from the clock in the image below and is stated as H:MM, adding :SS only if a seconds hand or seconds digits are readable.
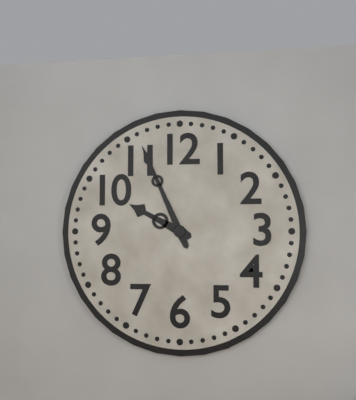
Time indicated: 9:56
